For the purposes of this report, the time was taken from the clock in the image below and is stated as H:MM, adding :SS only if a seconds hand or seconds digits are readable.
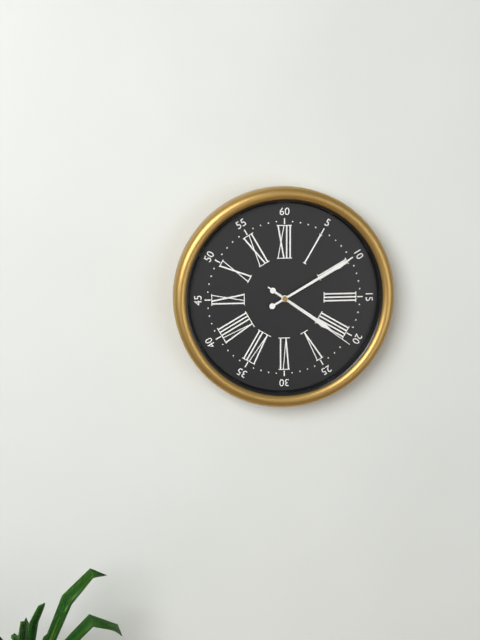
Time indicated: 4:10:21
